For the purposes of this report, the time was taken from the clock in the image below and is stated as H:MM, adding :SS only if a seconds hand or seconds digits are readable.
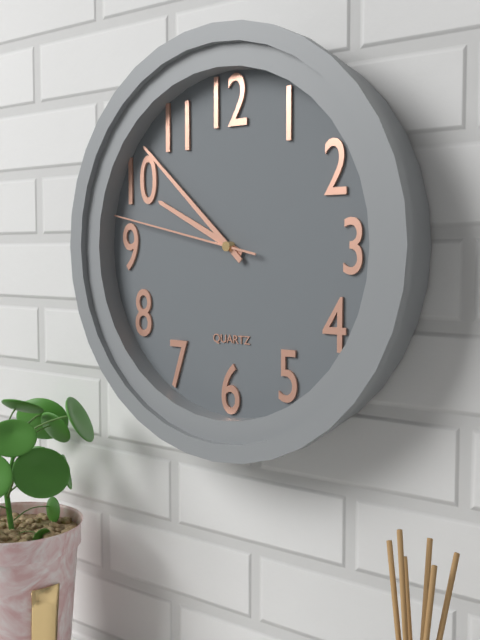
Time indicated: 9:52:47
